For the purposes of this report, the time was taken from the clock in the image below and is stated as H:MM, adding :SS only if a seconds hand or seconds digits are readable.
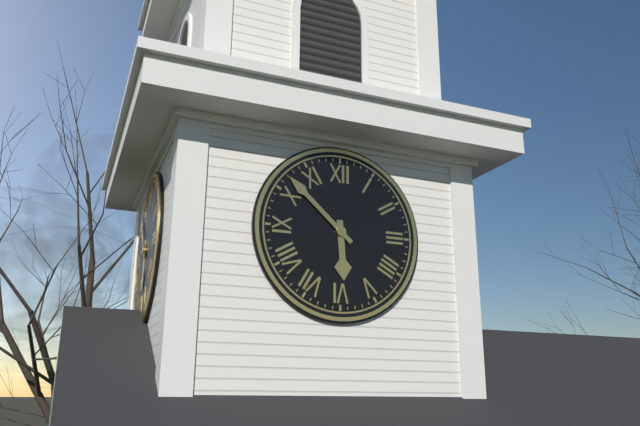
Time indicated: 5:52
